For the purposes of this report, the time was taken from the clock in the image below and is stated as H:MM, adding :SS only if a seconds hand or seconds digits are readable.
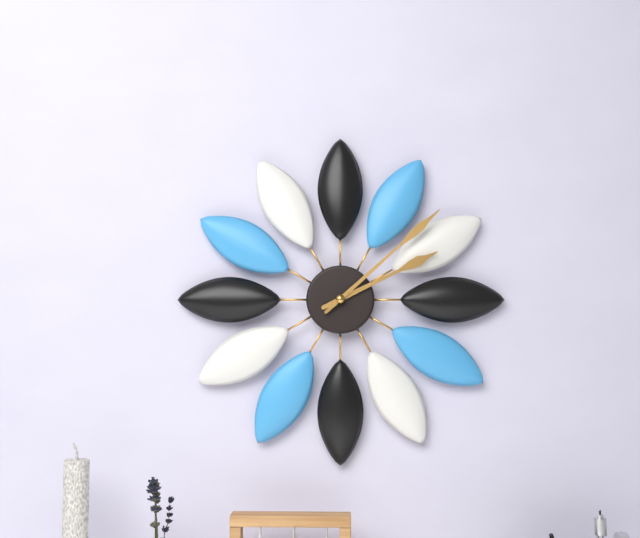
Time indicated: 2:08
